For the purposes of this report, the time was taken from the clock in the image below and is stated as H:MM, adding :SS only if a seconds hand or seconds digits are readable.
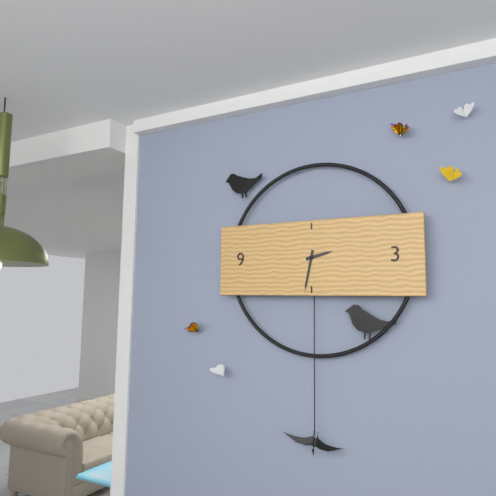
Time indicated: 2:32
